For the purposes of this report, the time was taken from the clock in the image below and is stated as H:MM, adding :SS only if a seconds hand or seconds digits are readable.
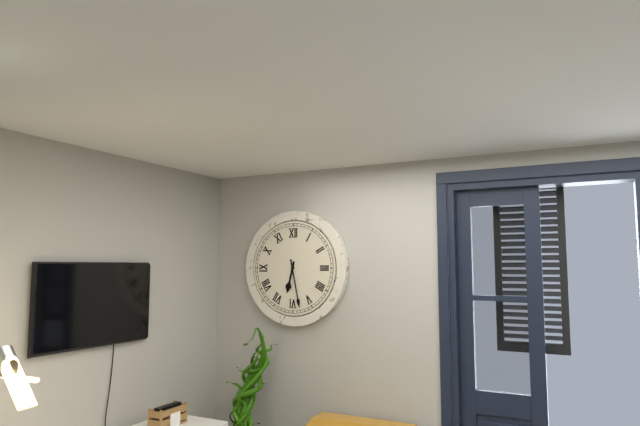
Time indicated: 6:28
